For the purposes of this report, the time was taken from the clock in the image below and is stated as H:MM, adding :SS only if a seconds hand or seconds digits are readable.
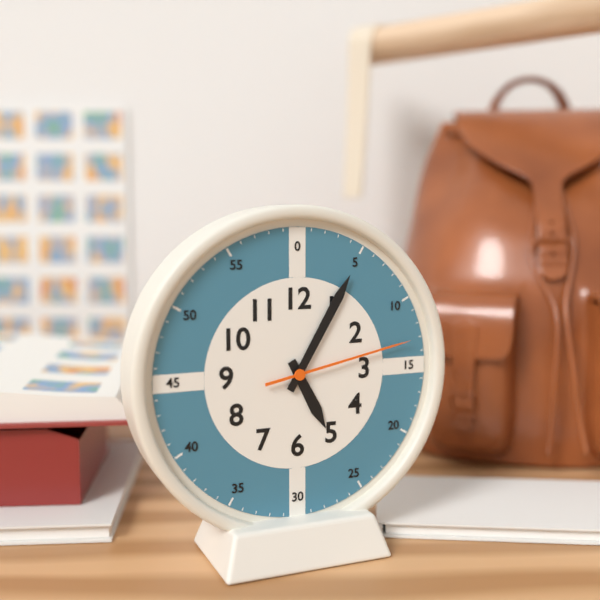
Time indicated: 5:05:13
